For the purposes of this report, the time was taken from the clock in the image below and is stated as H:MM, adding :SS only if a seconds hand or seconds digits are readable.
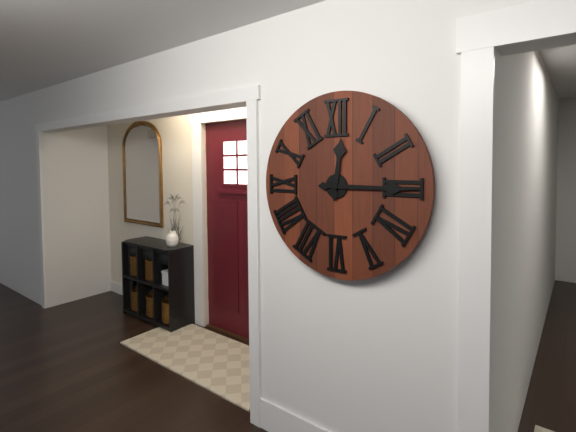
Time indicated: 12:15
